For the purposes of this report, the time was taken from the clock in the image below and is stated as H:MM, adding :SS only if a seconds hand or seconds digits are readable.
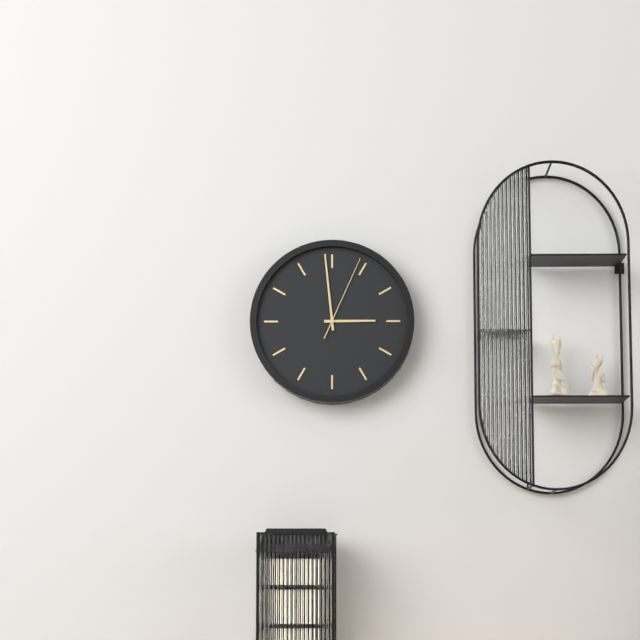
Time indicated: 2:59:04
